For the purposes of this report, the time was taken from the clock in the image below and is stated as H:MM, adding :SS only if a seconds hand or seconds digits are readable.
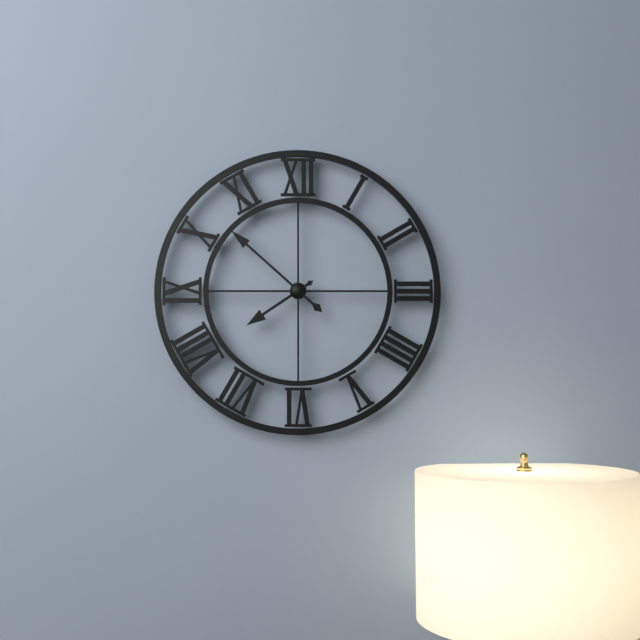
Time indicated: 7:52
